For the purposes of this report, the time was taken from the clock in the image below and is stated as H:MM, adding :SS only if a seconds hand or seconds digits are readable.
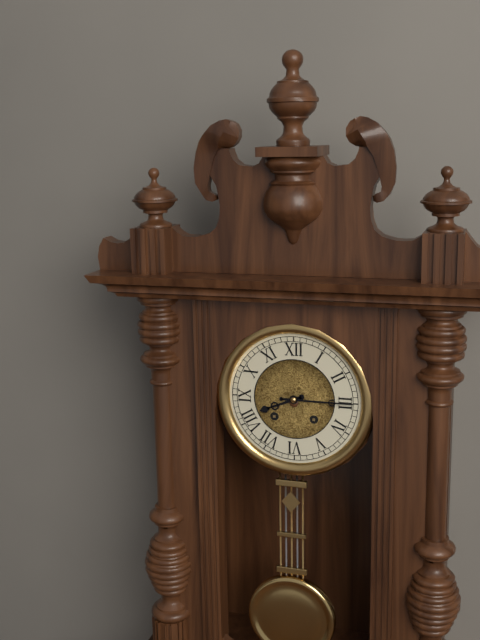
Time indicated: 8:15
